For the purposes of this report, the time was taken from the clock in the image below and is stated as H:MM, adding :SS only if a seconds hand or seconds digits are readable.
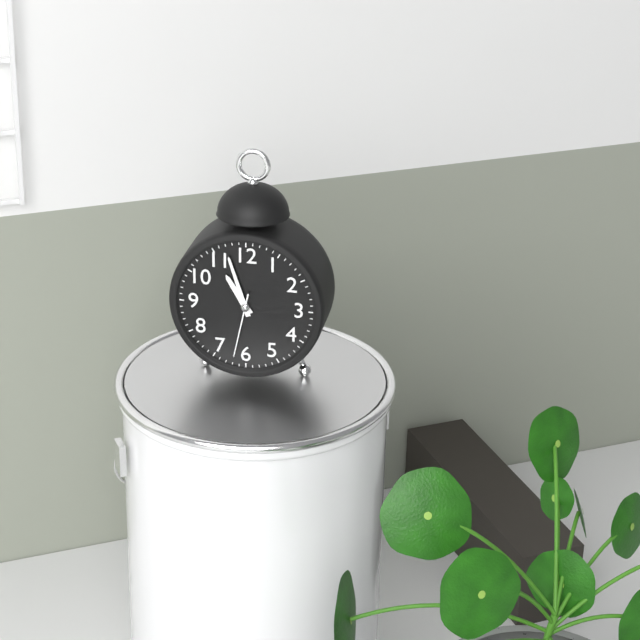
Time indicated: 10:57:32
